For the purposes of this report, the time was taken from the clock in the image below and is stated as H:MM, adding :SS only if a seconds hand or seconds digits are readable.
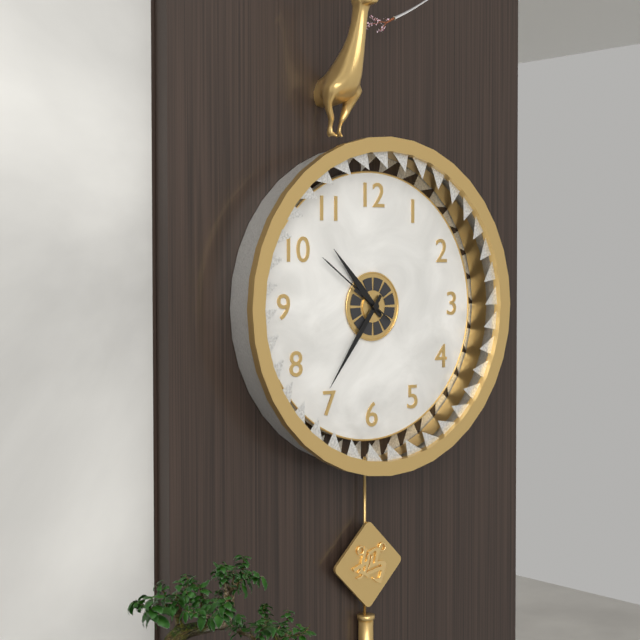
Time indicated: 10:36:51
